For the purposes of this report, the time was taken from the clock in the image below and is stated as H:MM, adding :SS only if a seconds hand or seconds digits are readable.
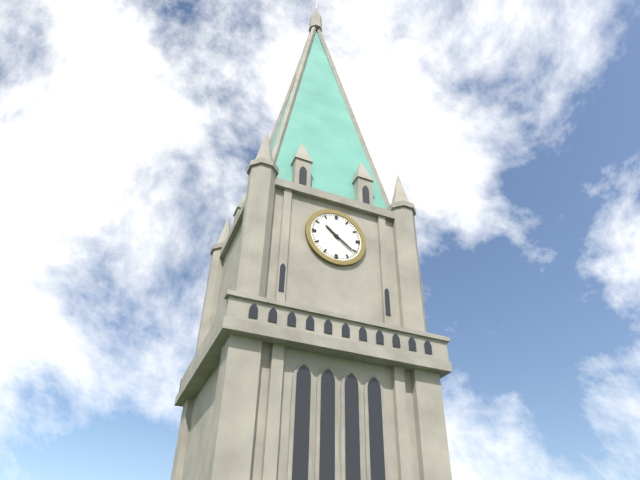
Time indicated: 10:21
